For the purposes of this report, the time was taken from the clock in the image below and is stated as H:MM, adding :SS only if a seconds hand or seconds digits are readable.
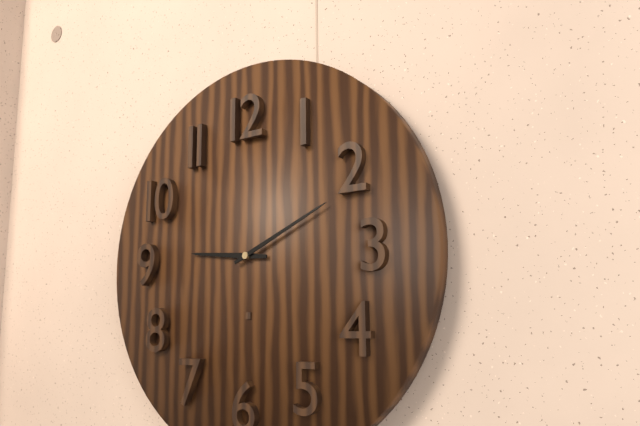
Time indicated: 9:11
